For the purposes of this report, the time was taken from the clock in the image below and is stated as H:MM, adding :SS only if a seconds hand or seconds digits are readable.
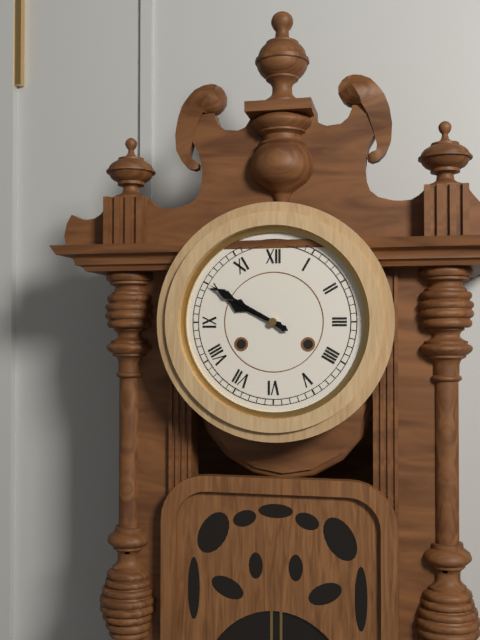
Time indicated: 9:50
